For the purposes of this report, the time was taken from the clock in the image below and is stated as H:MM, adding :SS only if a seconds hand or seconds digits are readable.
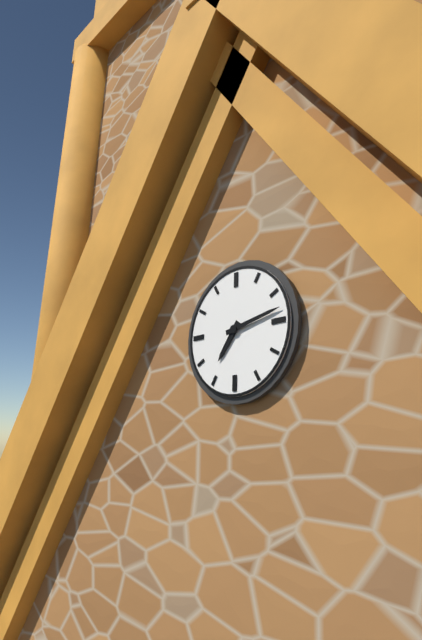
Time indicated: 7:13
